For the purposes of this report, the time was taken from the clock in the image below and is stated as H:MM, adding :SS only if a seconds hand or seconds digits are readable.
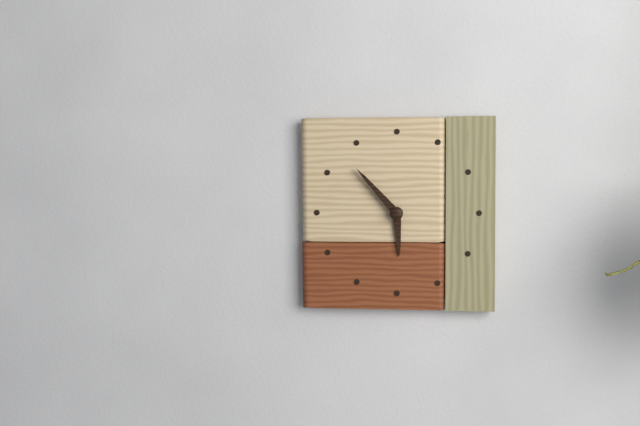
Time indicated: 5:53
